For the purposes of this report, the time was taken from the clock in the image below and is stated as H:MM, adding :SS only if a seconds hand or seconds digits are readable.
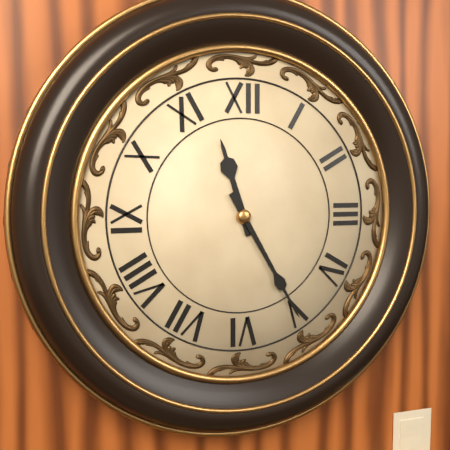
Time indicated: 11:25
